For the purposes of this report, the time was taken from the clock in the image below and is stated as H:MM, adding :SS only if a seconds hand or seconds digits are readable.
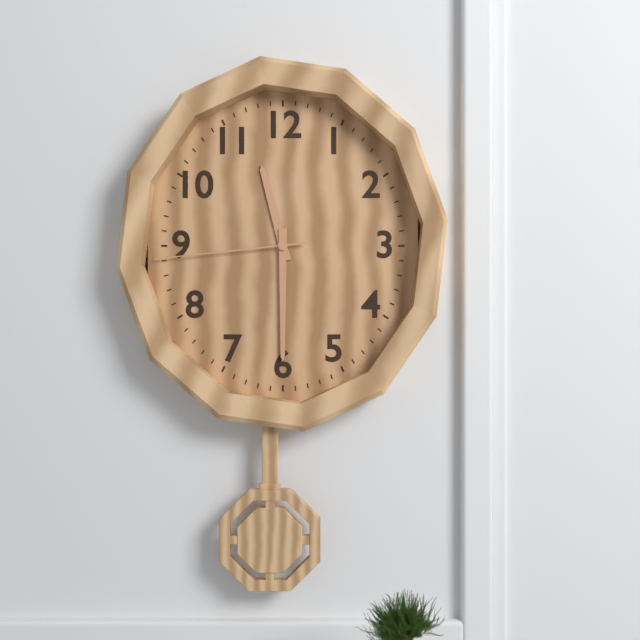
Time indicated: 11:30:44
